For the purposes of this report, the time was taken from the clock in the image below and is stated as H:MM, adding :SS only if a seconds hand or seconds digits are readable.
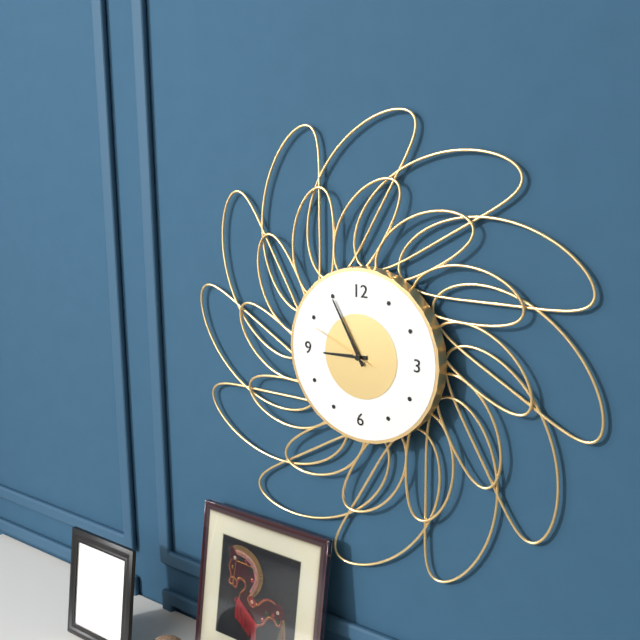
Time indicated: 8:55:49
